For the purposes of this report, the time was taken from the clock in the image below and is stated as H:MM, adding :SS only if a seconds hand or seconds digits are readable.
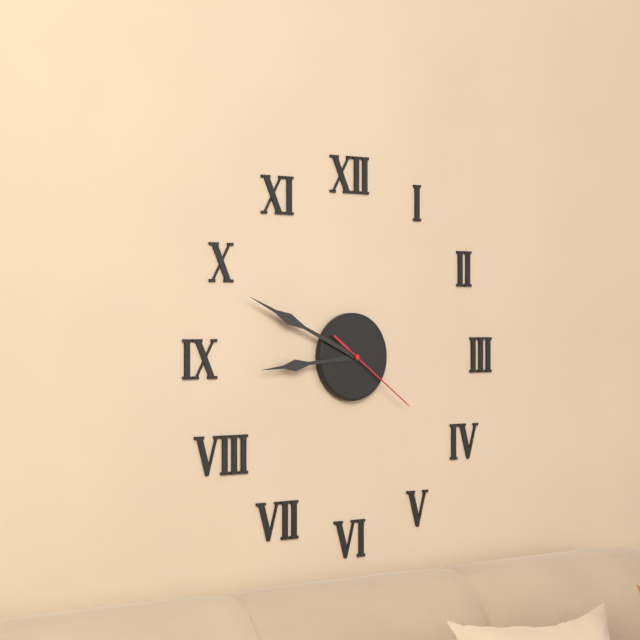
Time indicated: 8:49:21
